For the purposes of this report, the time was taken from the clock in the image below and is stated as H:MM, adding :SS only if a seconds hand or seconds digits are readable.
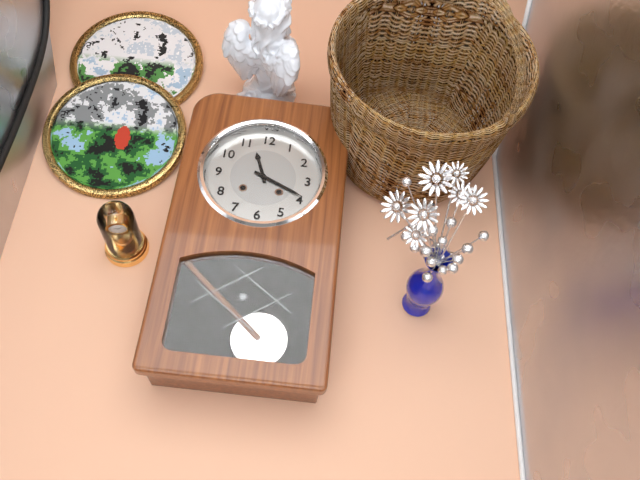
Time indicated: 11:19
